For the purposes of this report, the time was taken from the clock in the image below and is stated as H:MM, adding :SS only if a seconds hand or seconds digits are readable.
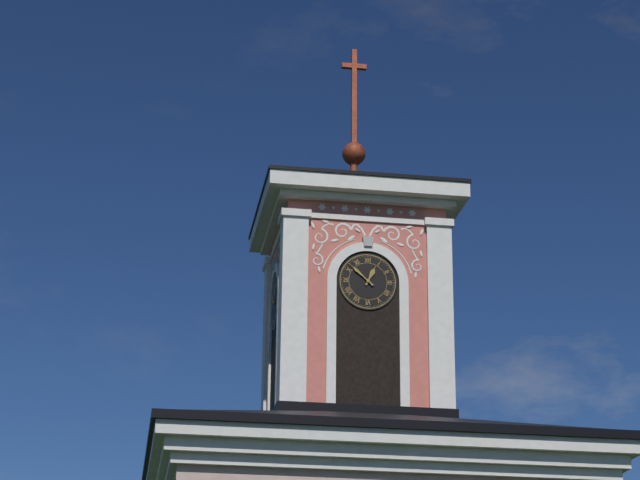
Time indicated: 12:52
